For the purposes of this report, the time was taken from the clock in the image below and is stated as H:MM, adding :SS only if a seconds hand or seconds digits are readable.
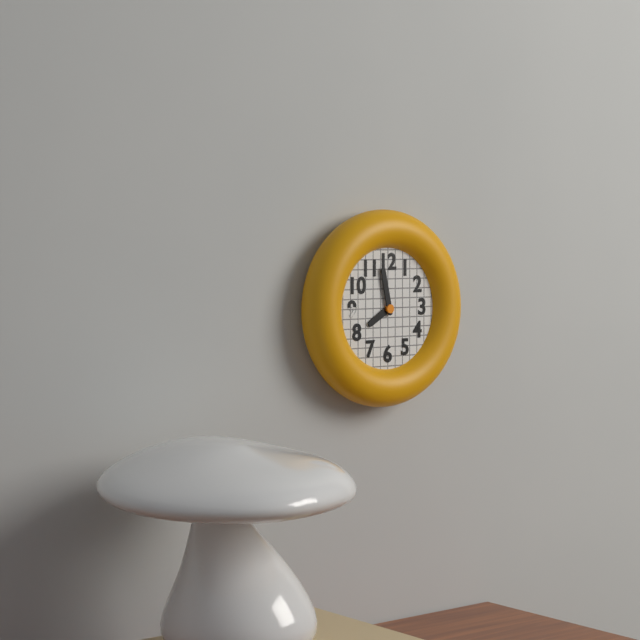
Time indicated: 7:58
